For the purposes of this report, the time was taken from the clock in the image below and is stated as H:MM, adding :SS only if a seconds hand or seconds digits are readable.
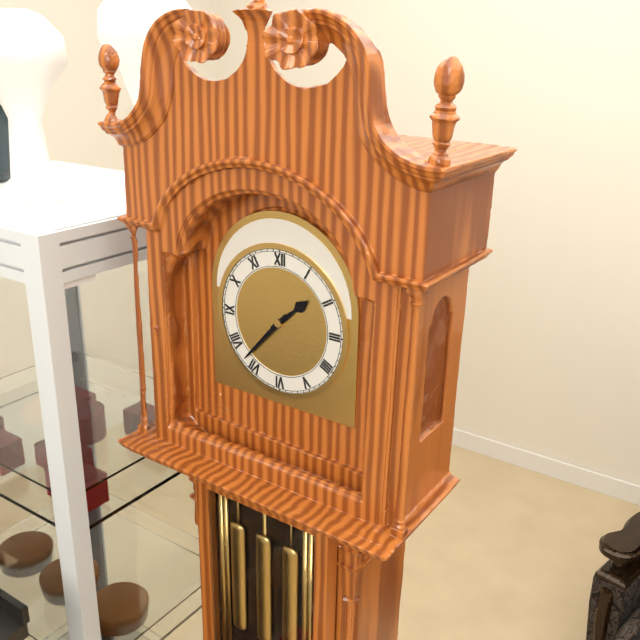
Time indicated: 1:37
